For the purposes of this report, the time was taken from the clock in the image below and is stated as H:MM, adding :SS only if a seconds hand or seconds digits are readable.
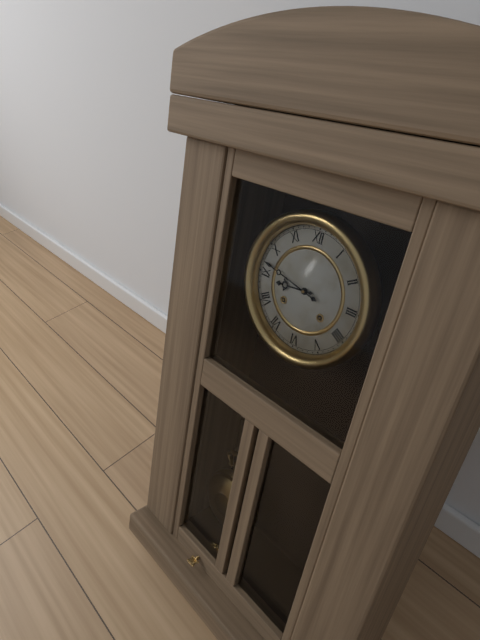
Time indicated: 8:47
